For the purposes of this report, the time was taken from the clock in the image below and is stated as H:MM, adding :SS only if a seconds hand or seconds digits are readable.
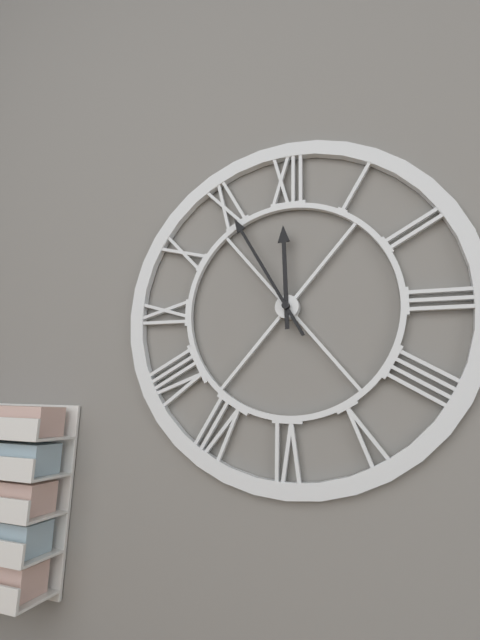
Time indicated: 11:55
